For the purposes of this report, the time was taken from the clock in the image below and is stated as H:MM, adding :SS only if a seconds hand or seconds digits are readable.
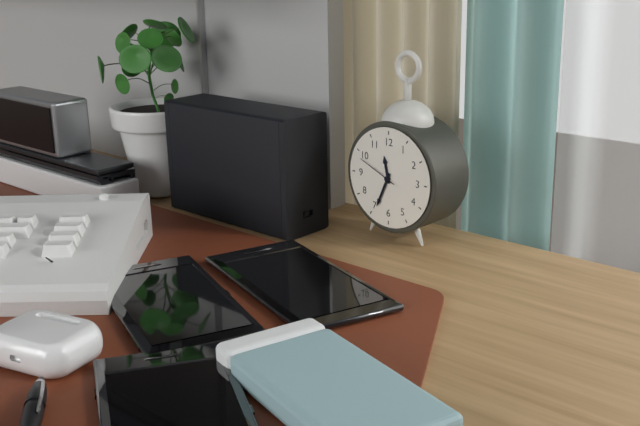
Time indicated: 11:34
